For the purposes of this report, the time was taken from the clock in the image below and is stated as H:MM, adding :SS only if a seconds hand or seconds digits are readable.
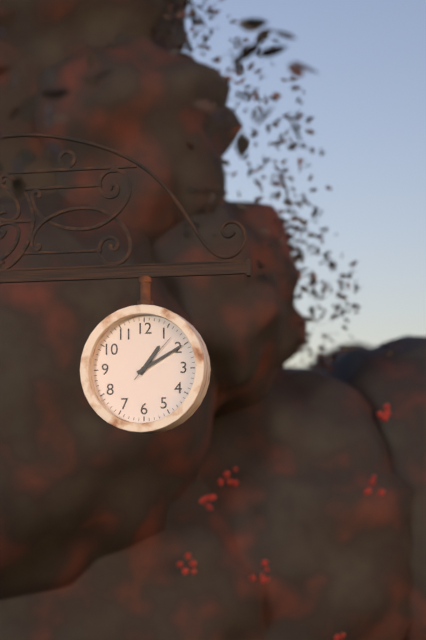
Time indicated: 1:10:07
